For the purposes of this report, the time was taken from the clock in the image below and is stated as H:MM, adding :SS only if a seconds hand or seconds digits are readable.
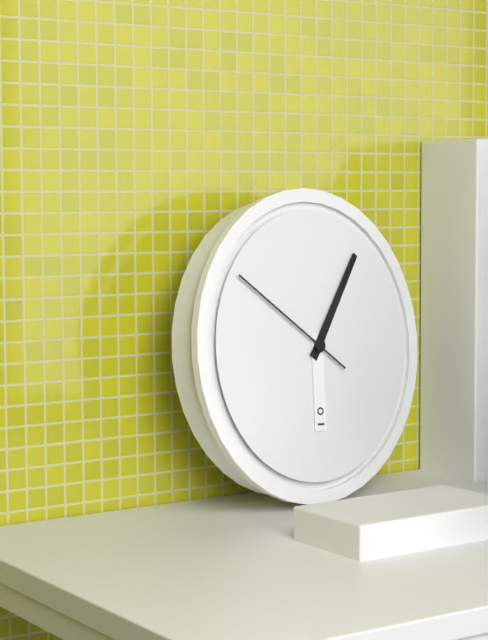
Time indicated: 6:06:51
